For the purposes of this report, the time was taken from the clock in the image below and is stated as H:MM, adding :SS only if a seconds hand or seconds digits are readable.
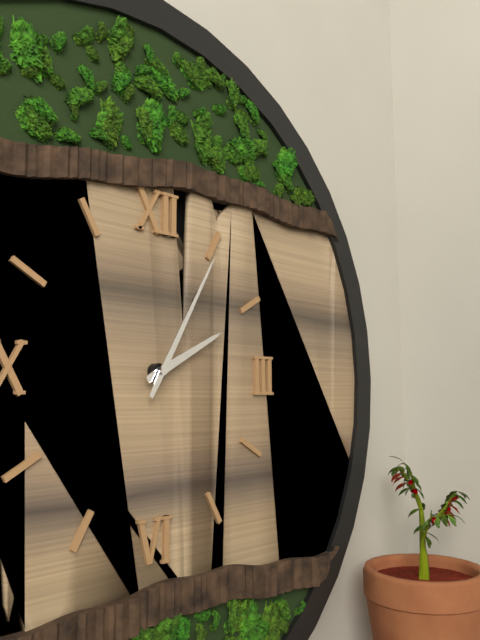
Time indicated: 2:05
